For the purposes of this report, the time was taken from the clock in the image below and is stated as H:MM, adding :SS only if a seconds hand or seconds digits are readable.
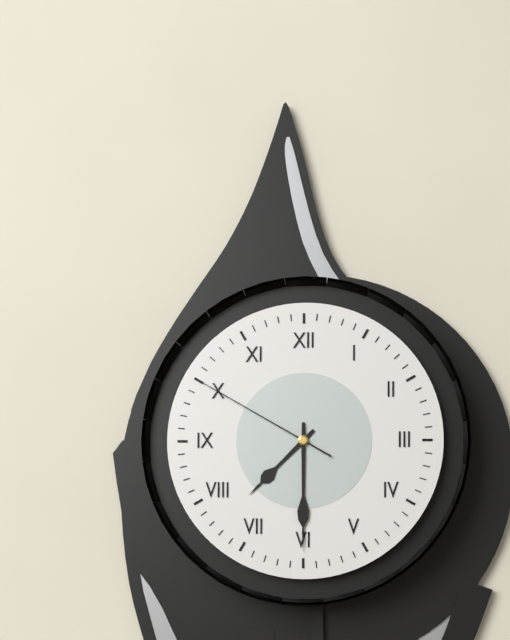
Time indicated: 7:30:50
